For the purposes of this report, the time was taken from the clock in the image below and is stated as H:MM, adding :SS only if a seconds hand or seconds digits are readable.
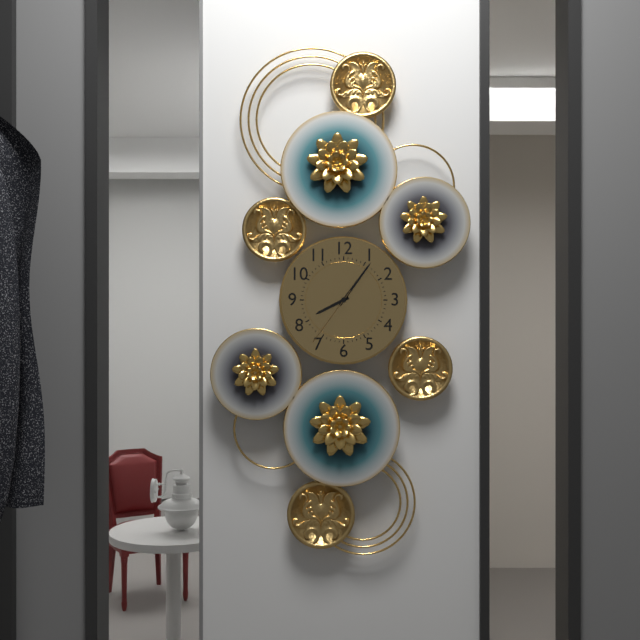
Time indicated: 8:06:36
